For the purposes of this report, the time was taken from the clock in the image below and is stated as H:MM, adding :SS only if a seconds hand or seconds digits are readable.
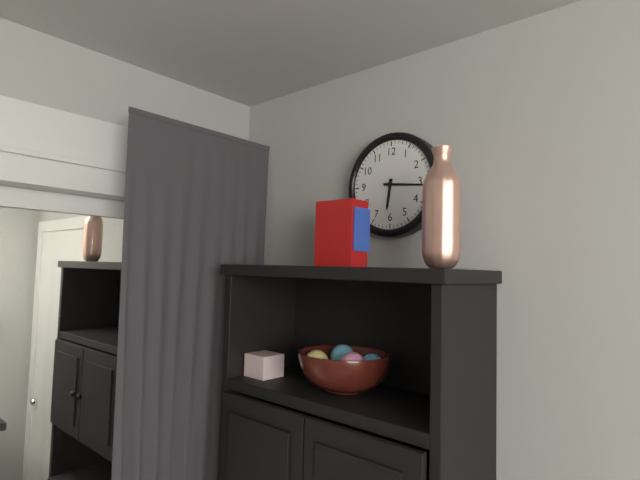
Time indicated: 6:16
